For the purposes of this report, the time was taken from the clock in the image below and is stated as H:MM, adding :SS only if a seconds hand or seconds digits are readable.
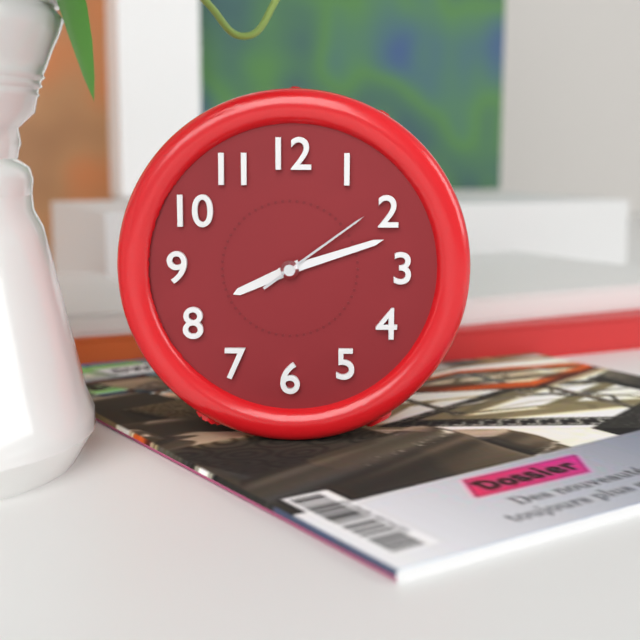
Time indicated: 8:12:09
